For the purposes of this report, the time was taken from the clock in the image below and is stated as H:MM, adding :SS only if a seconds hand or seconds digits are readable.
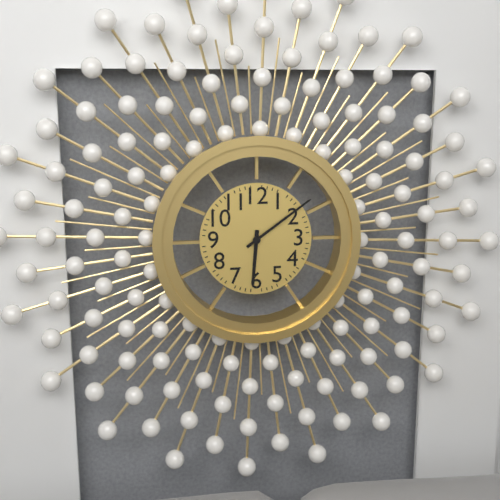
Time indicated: 6:09
